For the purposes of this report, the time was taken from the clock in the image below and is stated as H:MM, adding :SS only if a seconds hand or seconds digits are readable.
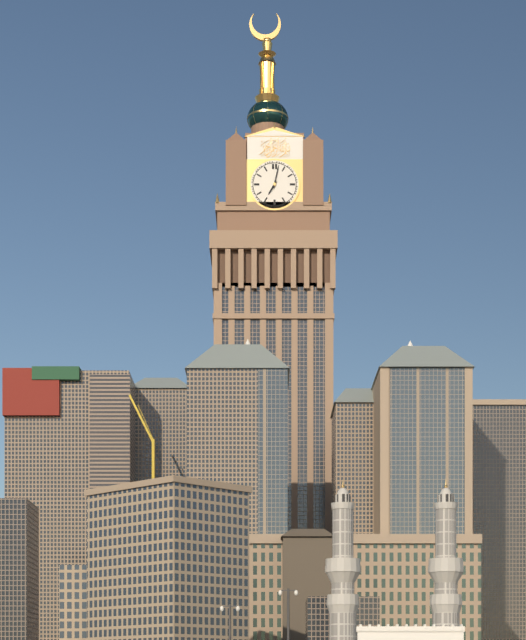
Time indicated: 7:02
